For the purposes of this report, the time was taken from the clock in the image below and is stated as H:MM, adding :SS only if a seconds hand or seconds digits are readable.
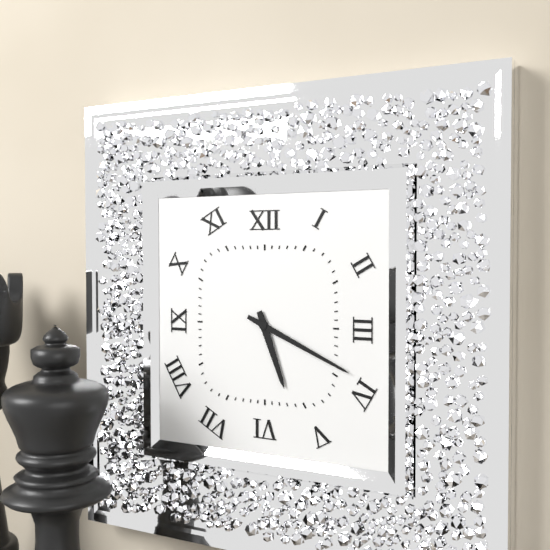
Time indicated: 5:19
